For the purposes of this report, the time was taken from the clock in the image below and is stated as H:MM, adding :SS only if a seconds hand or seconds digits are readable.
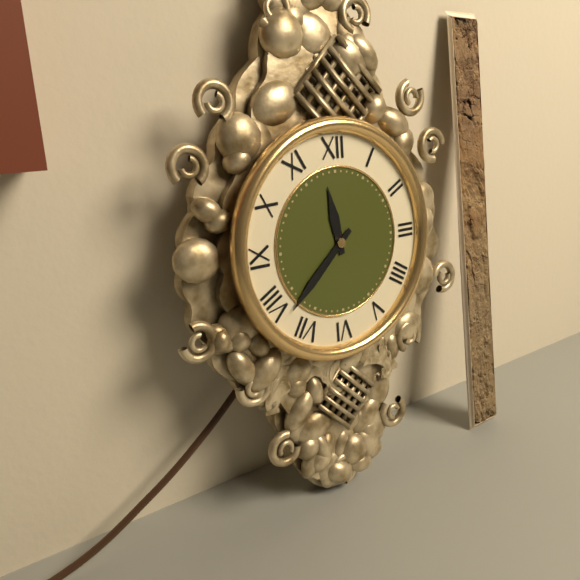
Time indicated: 11:38
